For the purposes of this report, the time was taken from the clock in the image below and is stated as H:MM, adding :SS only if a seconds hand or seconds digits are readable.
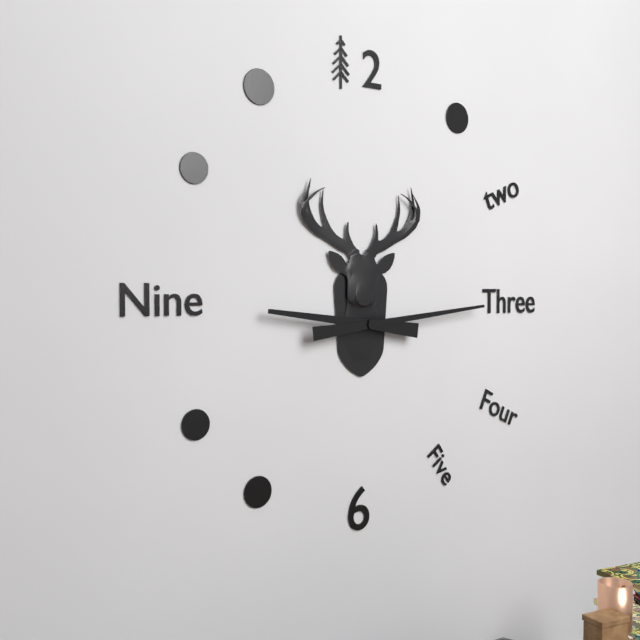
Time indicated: 9:14
